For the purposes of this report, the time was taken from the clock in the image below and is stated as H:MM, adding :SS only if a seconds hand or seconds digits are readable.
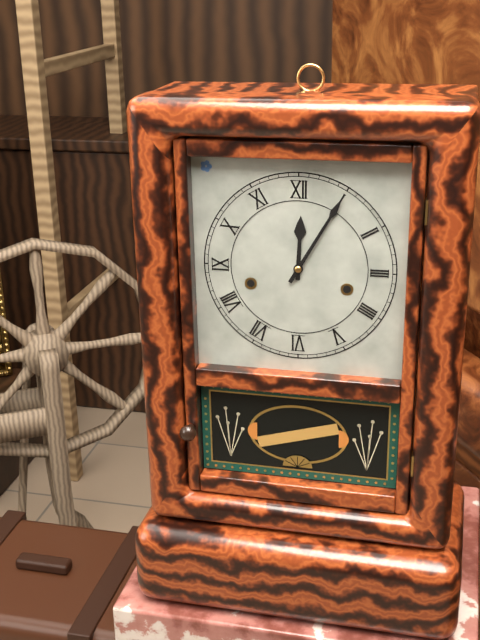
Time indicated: 12:05
